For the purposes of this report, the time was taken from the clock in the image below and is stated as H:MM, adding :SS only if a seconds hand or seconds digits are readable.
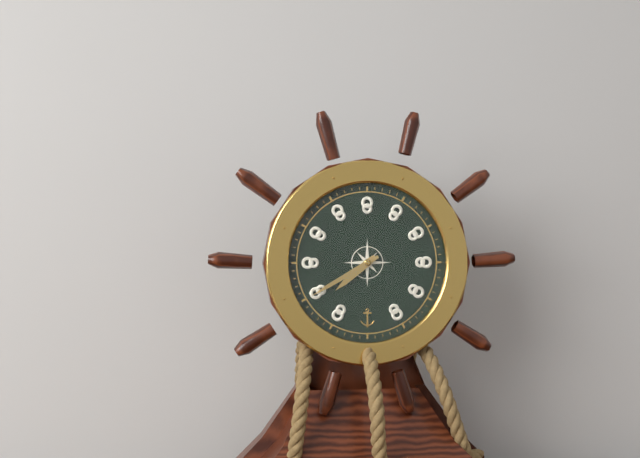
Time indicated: 7:40
